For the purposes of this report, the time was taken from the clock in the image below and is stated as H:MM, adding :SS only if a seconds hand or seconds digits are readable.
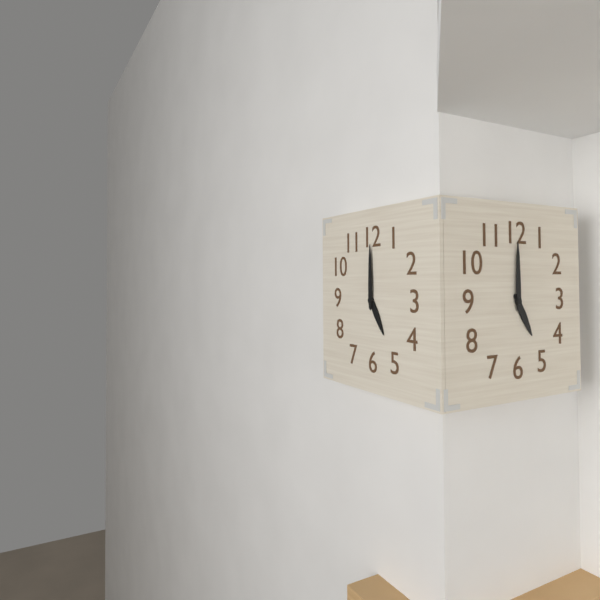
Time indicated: 5:00
